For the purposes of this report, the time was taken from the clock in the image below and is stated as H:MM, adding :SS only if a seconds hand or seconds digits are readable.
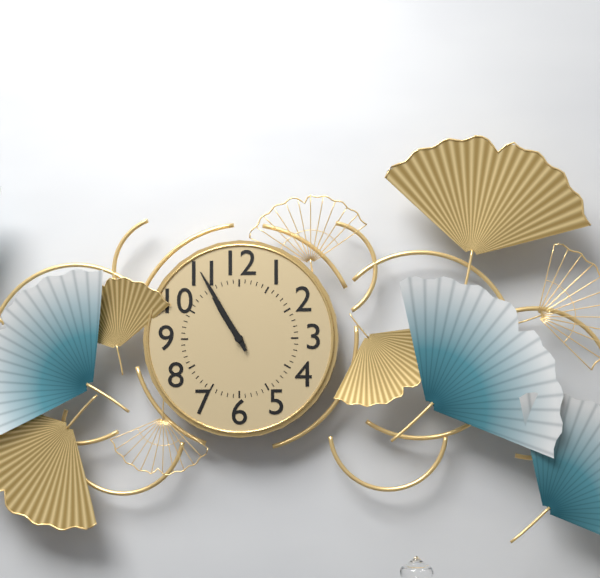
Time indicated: 10:55
